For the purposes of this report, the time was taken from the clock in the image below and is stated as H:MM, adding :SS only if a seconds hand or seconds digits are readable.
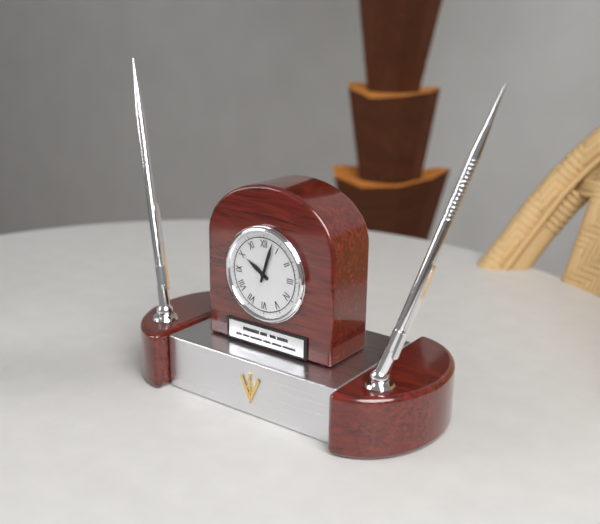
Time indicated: 10:03
